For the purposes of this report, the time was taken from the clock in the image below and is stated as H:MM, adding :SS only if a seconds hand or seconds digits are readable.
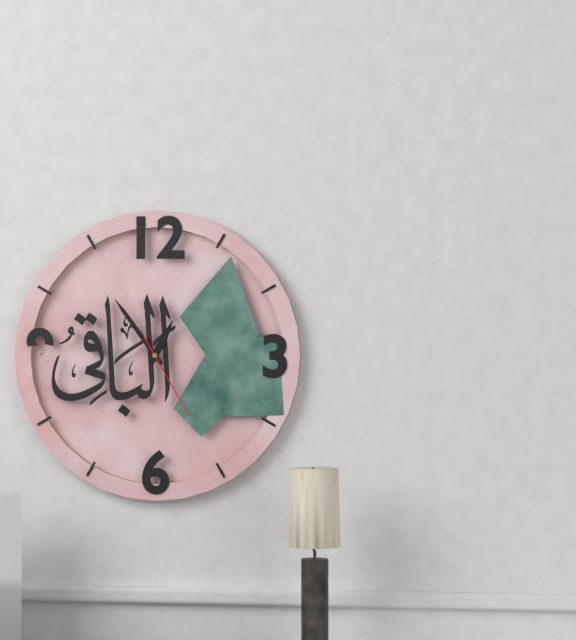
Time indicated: 12:54:25
